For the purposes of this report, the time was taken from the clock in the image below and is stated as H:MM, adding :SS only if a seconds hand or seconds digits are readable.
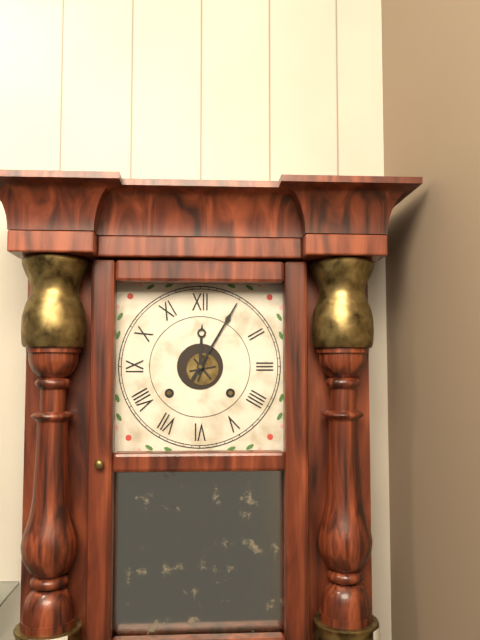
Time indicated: 12:05
